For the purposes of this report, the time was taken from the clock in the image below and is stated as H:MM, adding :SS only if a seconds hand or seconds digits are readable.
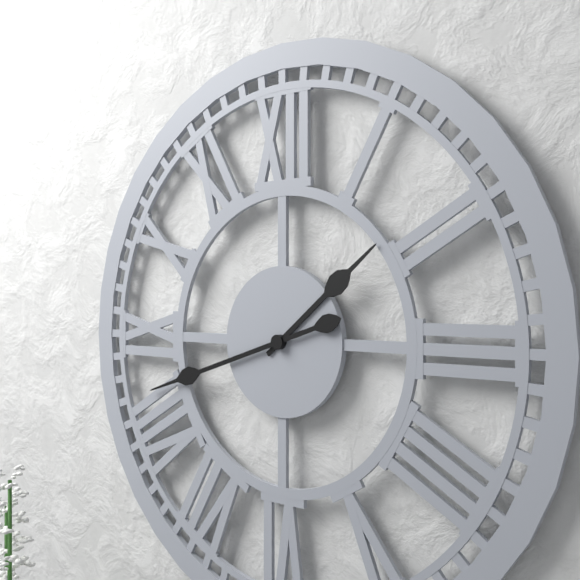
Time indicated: 1:42
